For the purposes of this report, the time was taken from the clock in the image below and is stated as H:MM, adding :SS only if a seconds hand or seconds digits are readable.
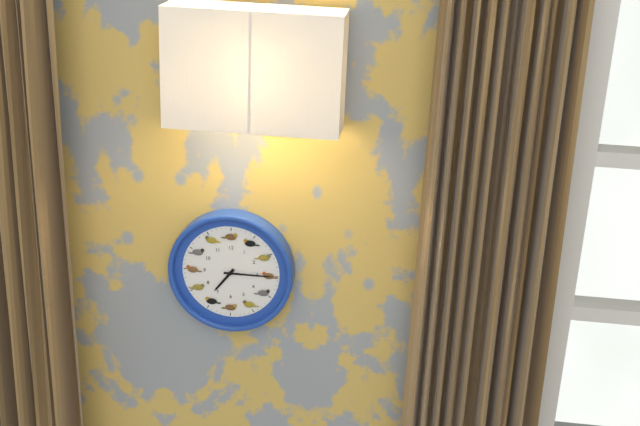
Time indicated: 7:15
